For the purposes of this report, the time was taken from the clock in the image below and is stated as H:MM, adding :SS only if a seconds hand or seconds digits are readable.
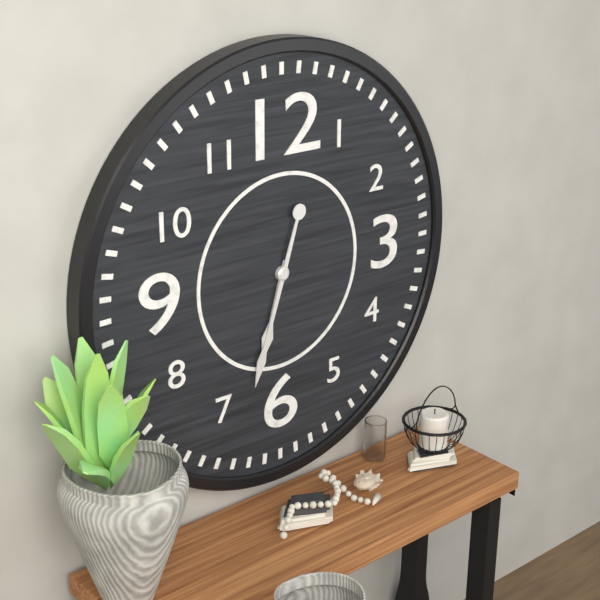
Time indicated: 6:33
